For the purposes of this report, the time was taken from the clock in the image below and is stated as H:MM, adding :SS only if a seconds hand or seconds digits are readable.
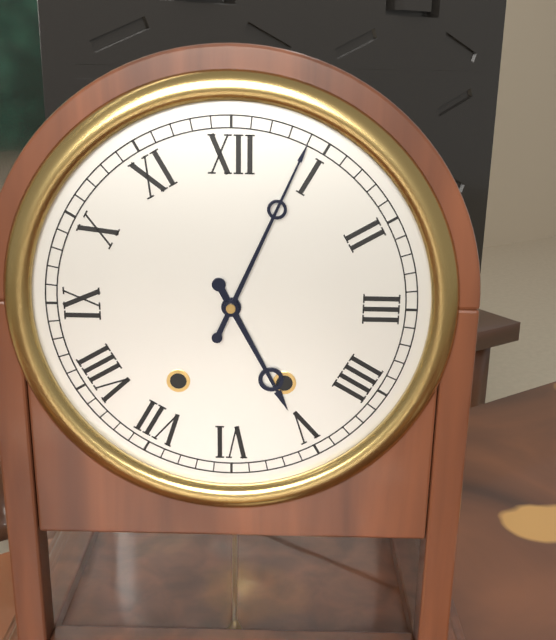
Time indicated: 5:04
